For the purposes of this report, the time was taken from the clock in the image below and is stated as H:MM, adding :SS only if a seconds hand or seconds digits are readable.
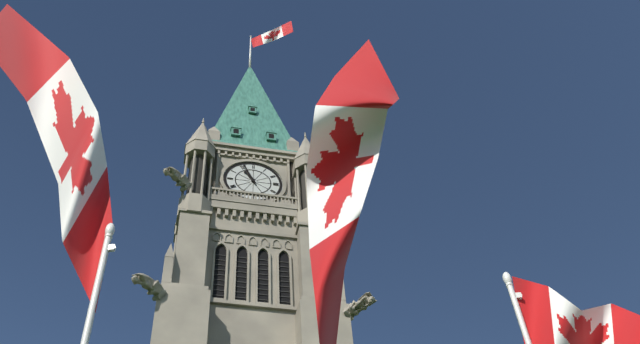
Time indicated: 10:56
